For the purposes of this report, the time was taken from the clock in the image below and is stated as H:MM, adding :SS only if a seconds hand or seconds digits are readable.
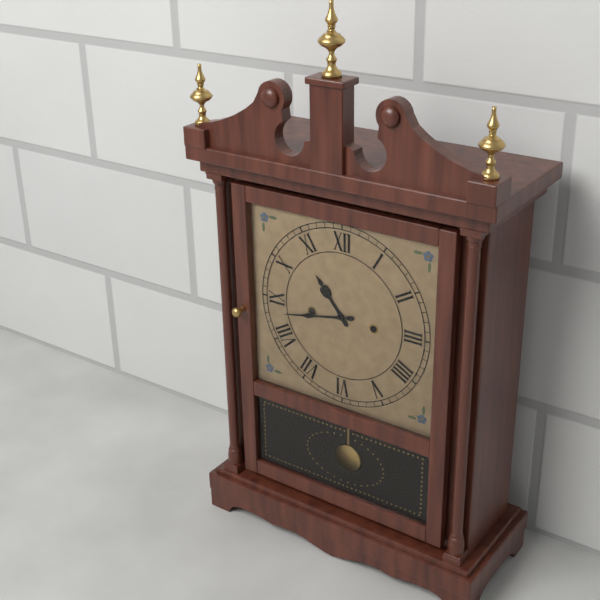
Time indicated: 10:43
